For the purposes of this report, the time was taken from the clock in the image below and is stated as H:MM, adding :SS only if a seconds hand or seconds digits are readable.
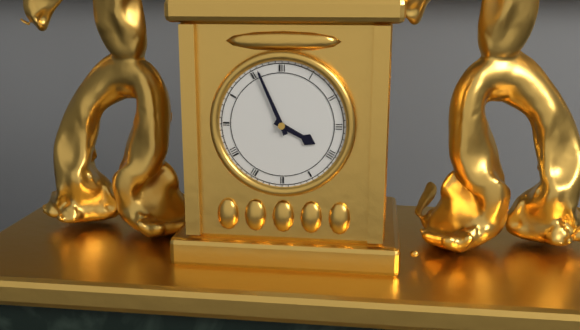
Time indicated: 3:56
